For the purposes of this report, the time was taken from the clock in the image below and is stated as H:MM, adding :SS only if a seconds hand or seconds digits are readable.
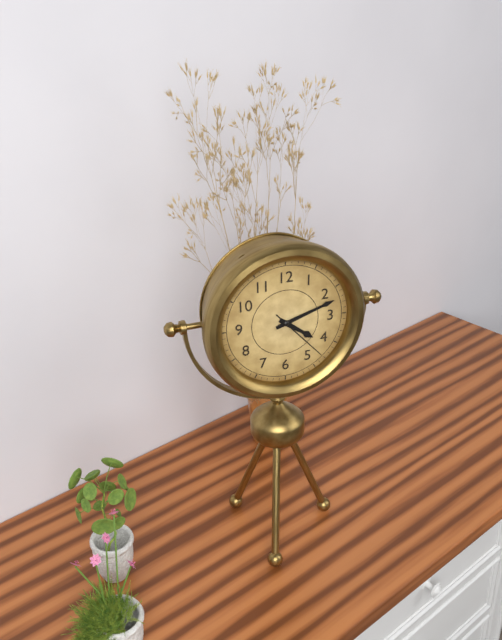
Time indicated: 4:12:23
